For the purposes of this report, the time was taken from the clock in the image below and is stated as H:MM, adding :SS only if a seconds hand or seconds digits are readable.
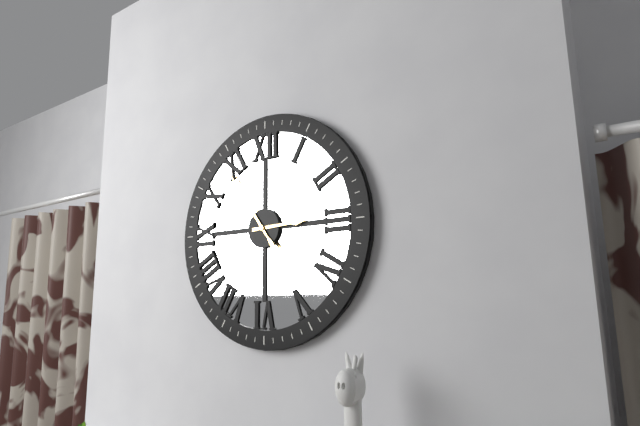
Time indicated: 2:54
